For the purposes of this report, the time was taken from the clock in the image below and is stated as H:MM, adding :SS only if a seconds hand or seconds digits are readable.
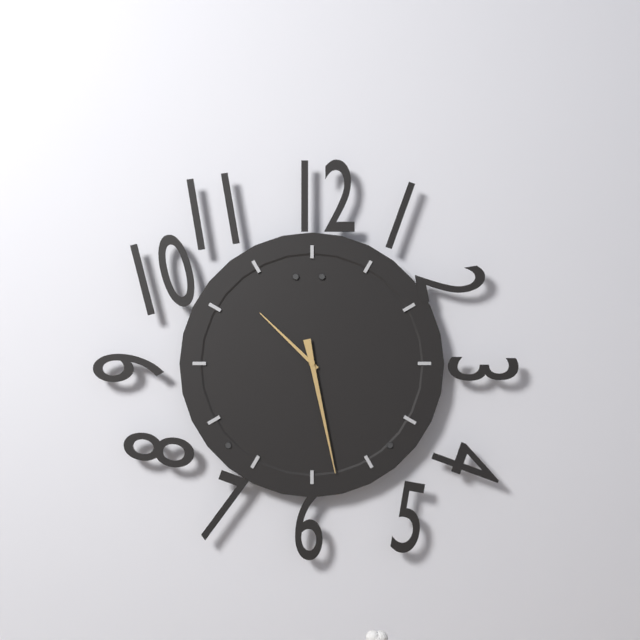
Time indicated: 10:28
